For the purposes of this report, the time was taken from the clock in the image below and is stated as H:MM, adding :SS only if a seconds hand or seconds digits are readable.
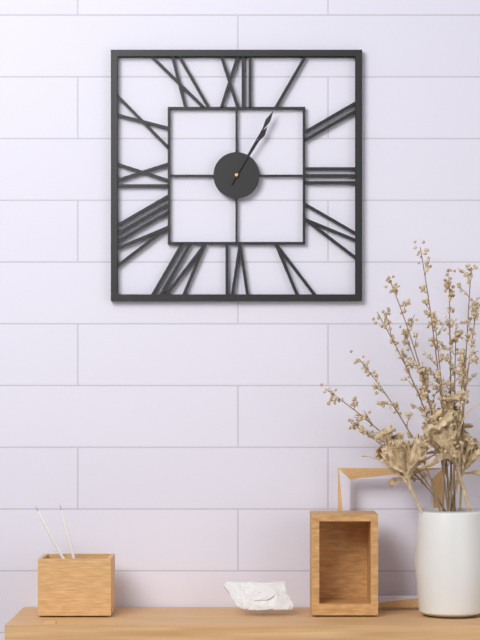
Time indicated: 1:05
